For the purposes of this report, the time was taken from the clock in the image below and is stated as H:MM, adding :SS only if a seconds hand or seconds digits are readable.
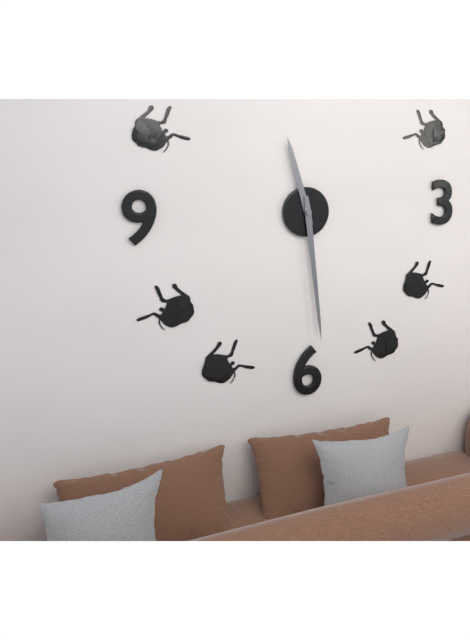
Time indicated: 11:29
